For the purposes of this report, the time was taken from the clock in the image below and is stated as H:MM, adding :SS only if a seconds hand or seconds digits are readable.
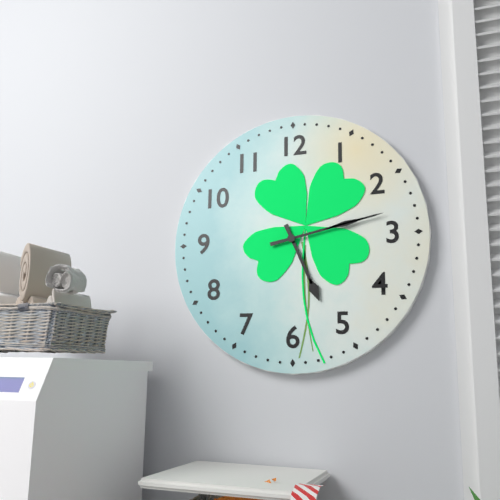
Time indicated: 5:13
